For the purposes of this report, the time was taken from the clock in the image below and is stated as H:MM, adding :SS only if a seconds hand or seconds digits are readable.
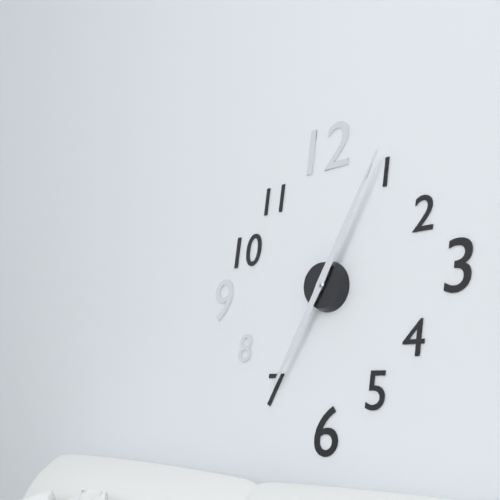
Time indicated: 7:05
